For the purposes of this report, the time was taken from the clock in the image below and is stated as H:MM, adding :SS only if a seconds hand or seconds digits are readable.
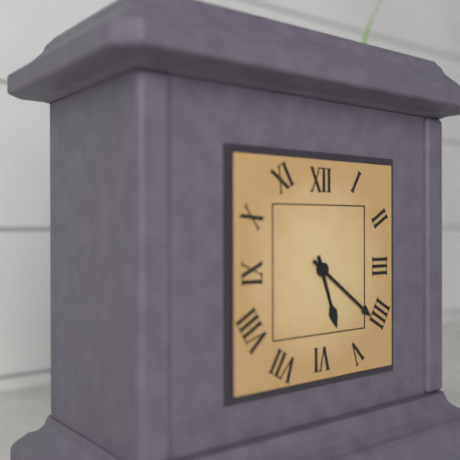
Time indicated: 5:21
